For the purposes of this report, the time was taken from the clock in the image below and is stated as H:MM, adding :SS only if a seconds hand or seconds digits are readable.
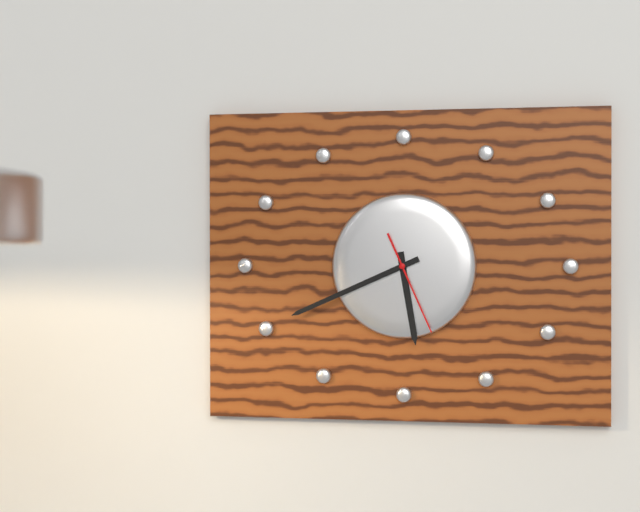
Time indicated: 5:41:26
